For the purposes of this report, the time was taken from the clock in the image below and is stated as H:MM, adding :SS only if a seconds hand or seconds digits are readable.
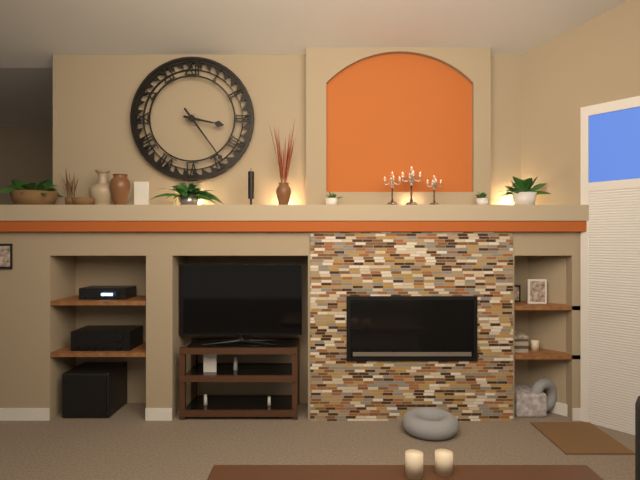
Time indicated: 3:24
